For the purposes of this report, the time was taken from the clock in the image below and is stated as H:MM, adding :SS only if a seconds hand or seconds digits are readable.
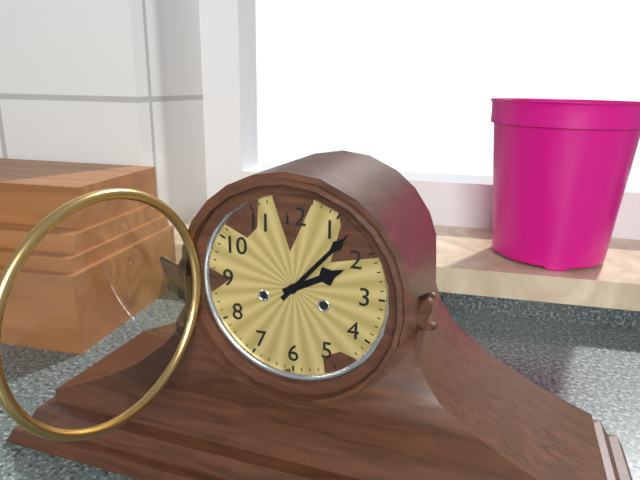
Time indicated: 2:07
